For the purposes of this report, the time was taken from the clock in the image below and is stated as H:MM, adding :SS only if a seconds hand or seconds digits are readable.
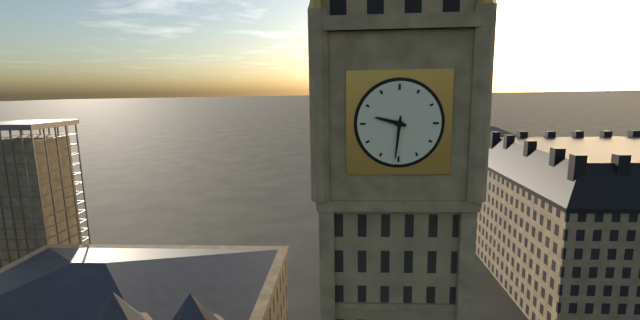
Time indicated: 9:31
